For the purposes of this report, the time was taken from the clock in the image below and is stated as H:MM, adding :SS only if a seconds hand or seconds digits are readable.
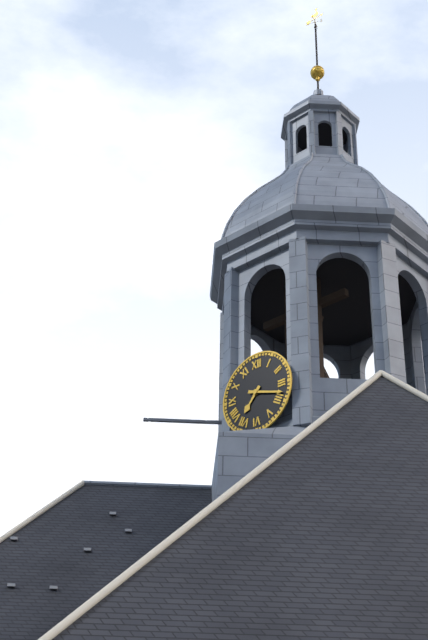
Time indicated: 7:18
